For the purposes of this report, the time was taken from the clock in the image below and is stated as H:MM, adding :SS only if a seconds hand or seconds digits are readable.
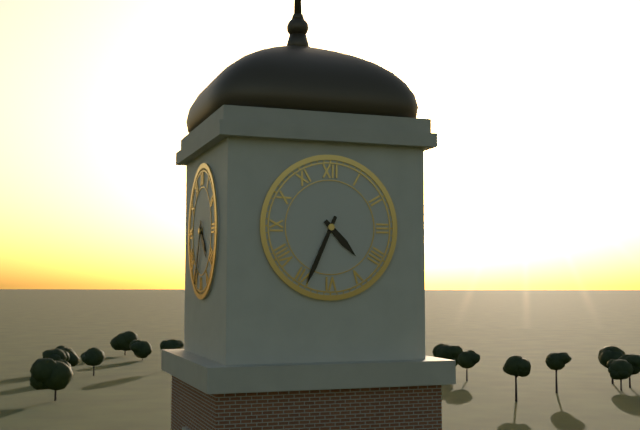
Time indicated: 4:34
